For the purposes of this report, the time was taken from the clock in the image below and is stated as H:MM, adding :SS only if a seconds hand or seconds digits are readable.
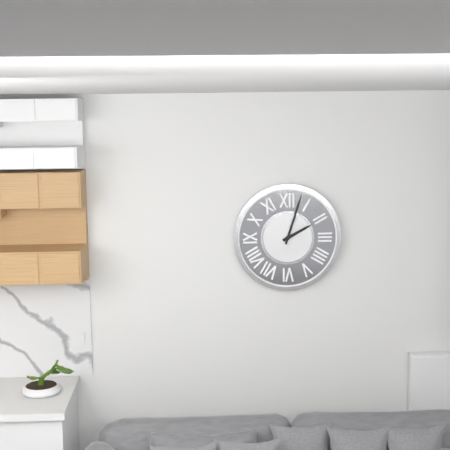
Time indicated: 2:03
